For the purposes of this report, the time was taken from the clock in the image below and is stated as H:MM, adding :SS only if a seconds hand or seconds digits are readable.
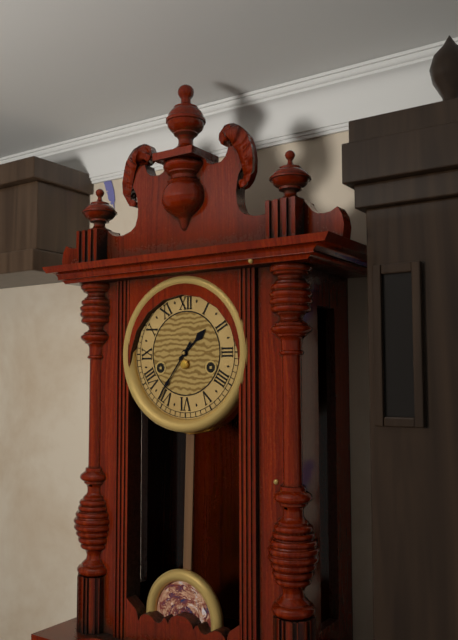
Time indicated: 1:36
